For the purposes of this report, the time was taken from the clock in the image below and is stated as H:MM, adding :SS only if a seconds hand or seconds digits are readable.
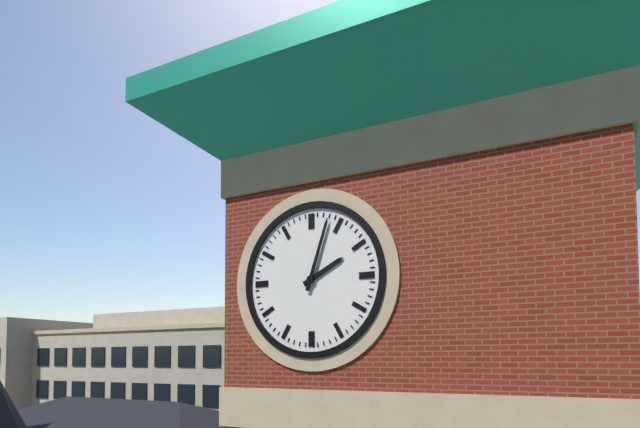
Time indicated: 2:03
